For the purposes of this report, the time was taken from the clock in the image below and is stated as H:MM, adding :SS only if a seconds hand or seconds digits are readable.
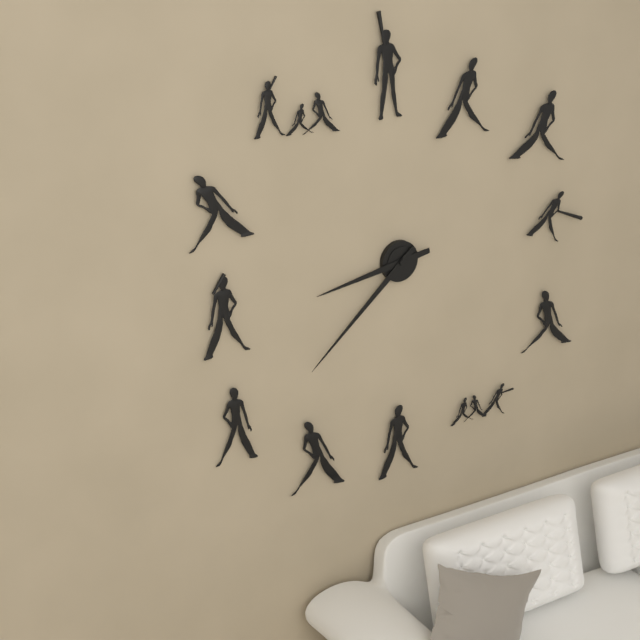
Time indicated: 8:38
